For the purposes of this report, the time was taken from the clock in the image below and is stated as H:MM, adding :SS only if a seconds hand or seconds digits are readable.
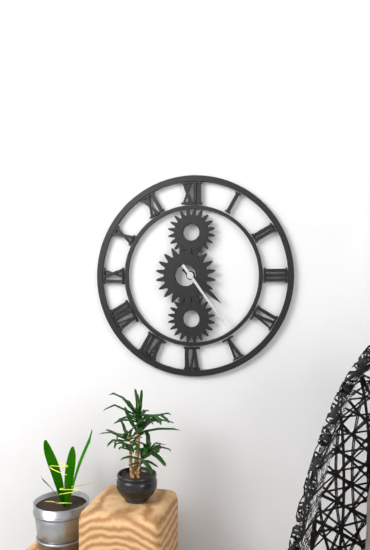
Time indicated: 4:24
